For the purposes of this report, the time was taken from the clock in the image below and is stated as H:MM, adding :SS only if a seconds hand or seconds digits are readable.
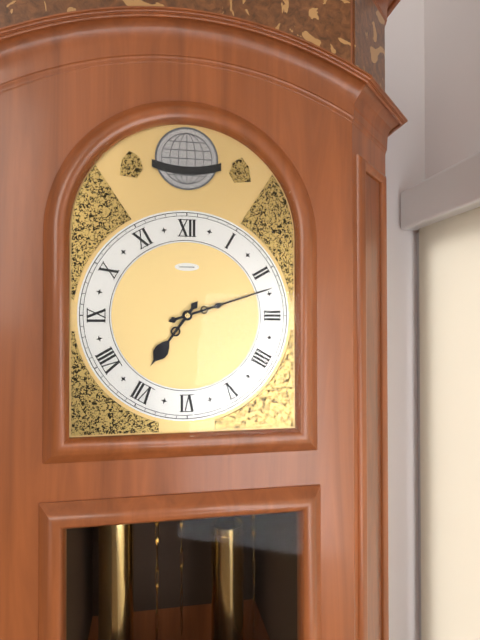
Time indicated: 7:12
